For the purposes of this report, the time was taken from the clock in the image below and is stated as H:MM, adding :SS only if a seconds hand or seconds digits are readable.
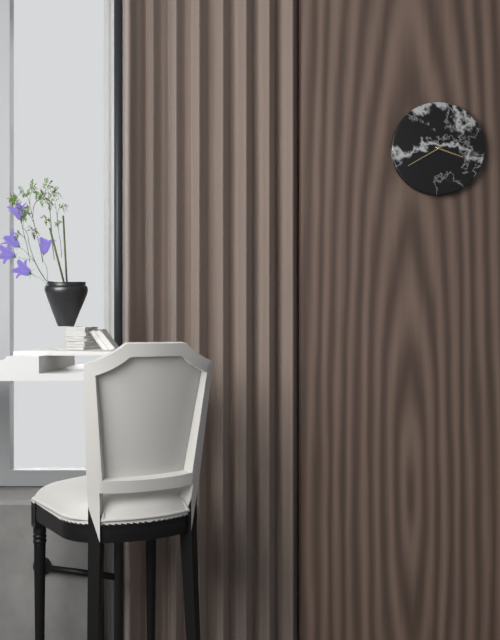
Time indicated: 3:40
